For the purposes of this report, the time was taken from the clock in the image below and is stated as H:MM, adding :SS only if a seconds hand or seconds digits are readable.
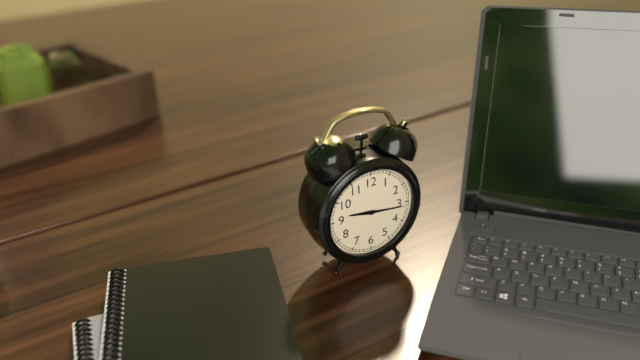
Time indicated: 9:16
